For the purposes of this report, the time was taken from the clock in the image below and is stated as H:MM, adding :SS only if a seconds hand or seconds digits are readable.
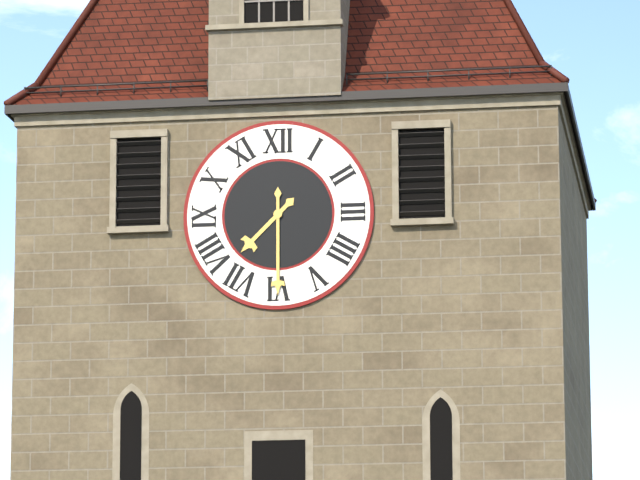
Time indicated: 7:30
